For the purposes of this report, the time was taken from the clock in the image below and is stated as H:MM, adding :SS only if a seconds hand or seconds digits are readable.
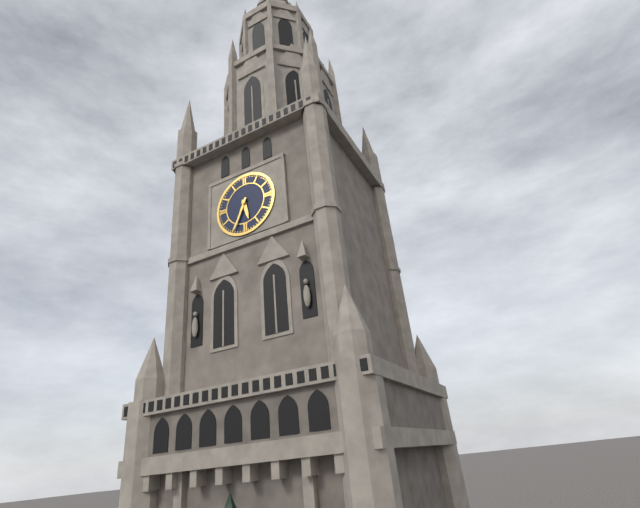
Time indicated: 5:34
